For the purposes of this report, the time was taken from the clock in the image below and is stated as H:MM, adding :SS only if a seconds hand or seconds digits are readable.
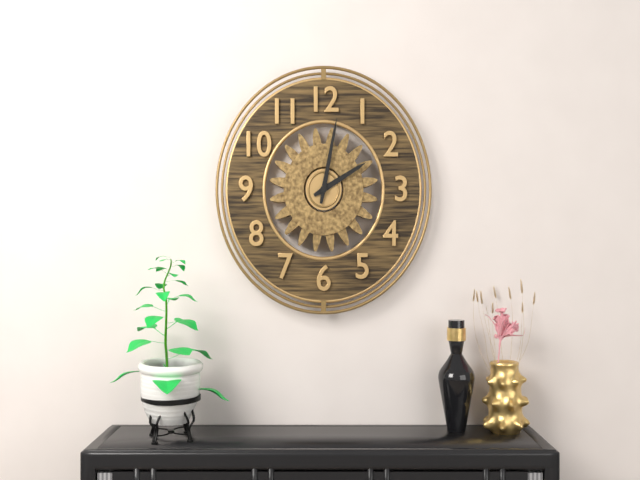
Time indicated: 2:02
